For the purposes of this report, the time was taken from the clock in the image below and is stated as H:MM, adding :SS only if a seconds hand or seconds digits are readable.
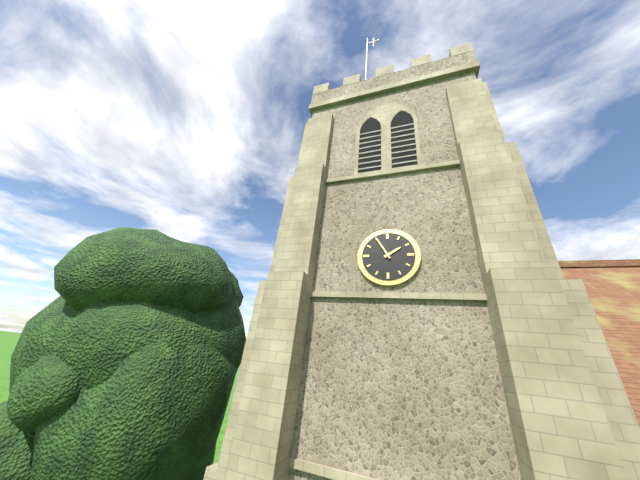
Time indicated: 1:55
